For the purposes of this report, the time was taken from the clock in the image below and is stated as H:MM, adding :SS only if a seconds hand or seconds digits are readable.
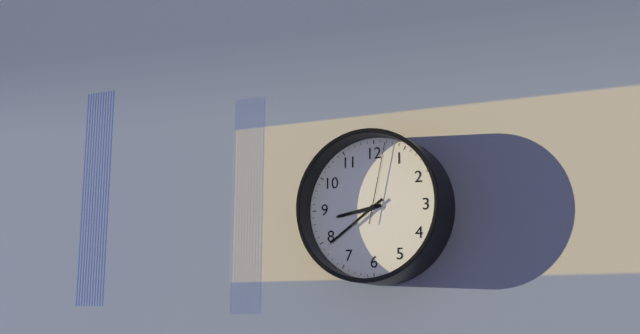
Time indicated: 8:39:02
